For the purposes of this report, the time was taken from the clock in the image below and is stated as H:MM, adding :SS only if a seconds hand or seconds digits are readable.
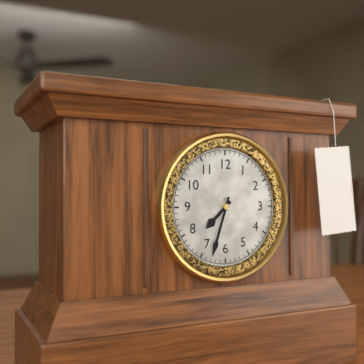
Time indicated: 7:33
